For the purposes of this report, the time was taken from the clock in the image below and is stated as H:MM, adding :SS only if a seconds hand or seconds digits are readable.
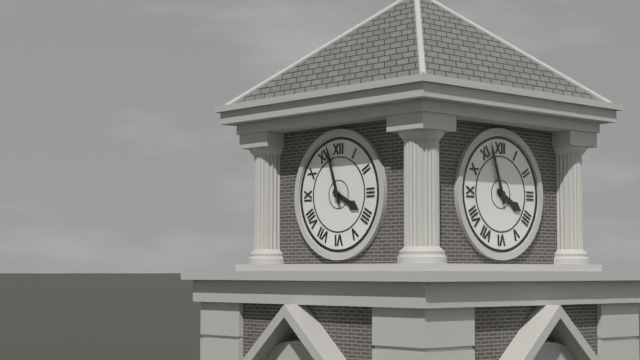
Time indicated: 3:57
